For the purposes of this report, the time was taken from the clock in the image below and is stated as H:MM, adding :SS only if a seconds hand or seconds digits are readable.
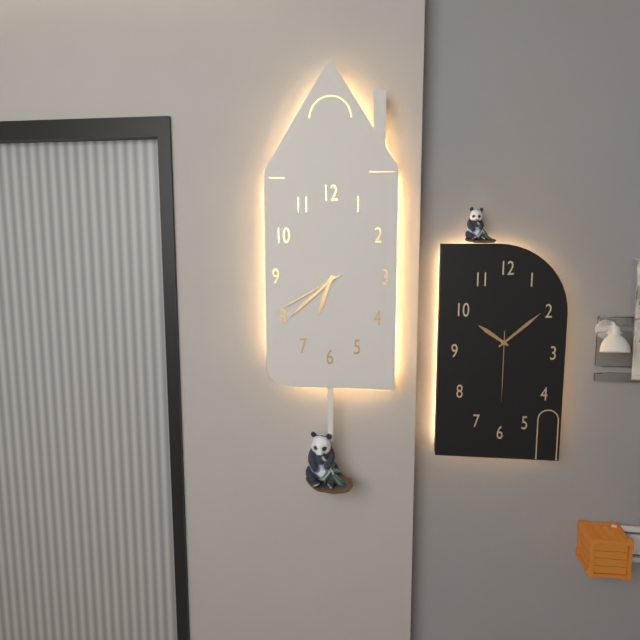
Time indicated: 6:38:40
